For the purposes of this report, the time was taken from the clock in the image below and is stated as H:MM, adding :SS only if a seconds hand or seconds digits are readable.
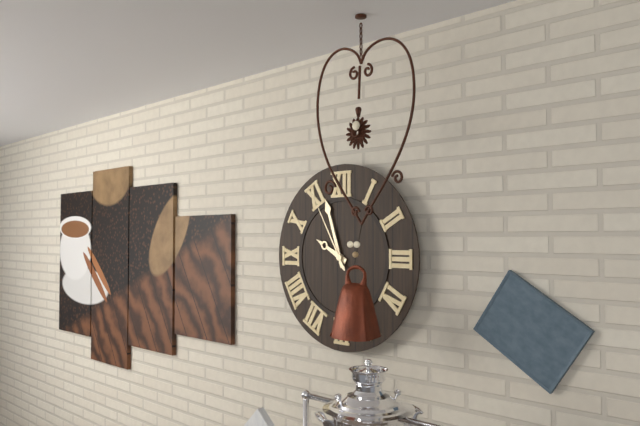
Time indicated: 9:57:55
